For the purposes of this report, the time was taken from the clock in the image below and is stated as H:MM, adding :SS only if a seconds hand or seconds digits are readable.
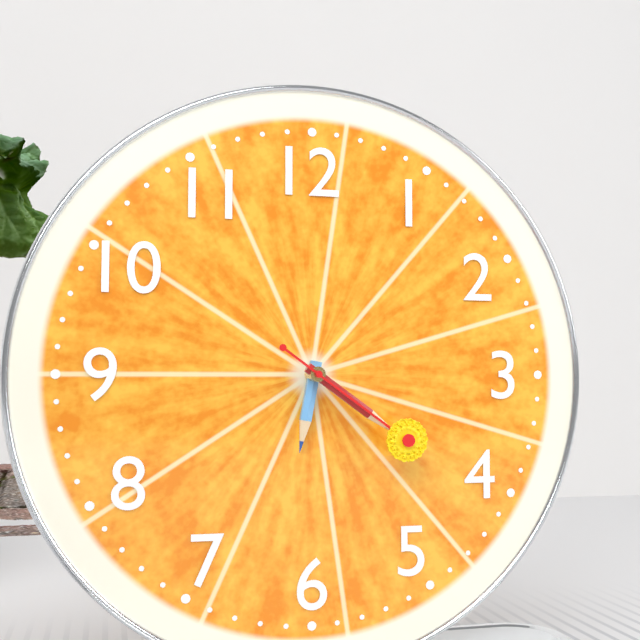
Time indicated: 6:21:21
